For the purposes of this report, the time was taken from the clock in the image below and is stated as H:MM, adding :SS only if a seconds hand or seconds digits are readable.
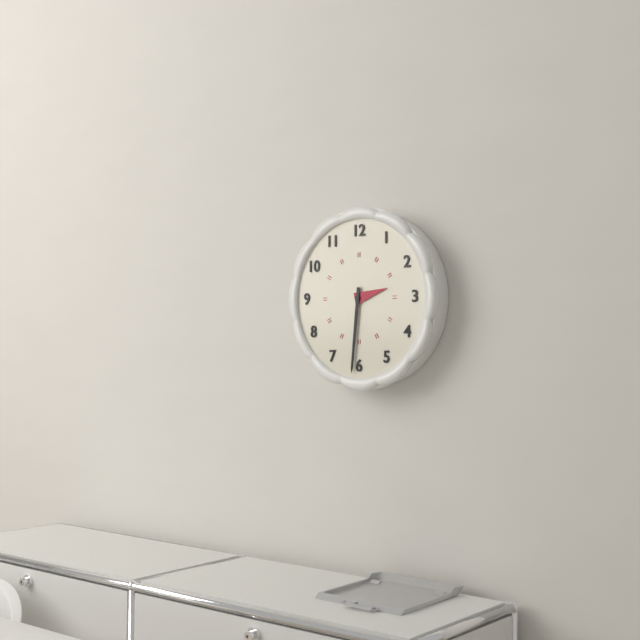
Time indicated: 2:31
